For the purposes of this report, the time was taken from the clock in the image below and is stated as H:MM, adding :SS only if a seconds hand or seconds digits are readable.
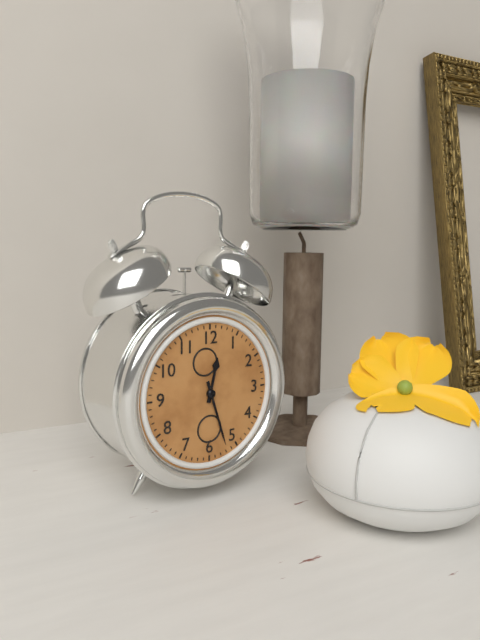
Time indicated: 12:27
